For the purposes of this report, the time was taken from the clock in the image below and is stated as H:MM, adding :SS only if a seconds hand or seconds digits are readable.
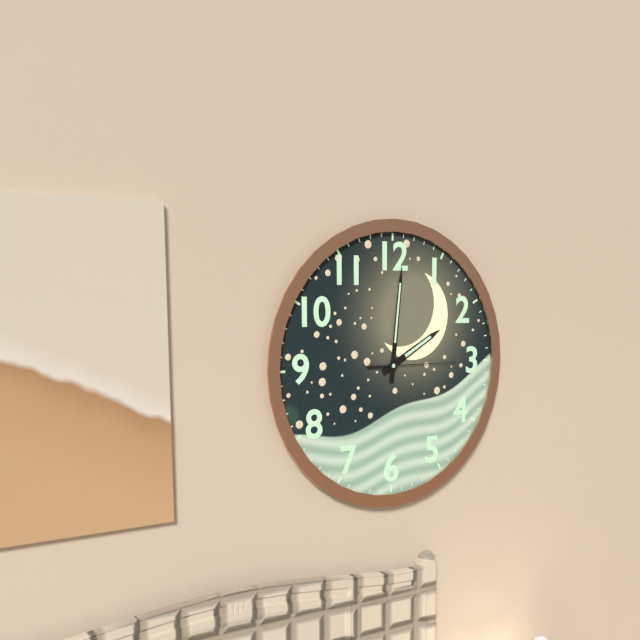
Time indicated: 2:01:15
